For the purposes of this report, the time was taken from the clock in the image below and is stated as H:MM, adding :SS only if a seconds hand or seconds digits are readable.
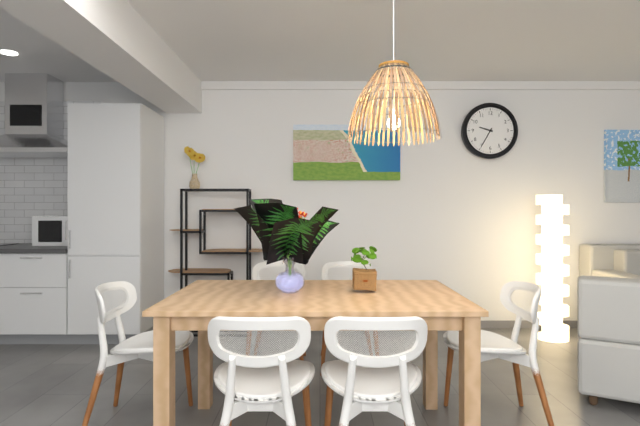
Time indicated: 9:35
